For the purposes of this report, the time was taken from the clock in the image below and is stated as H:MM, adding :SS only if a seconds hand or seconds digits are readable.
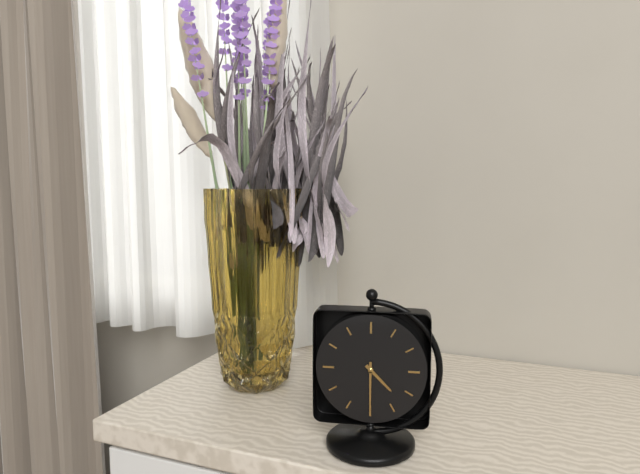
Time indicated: 4:30
